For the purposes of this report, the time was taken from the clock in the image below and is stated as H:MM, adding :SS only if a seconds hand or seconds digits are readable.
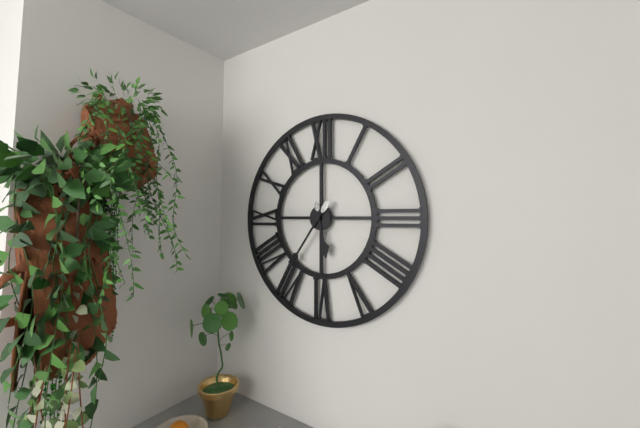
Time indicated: 5:36
